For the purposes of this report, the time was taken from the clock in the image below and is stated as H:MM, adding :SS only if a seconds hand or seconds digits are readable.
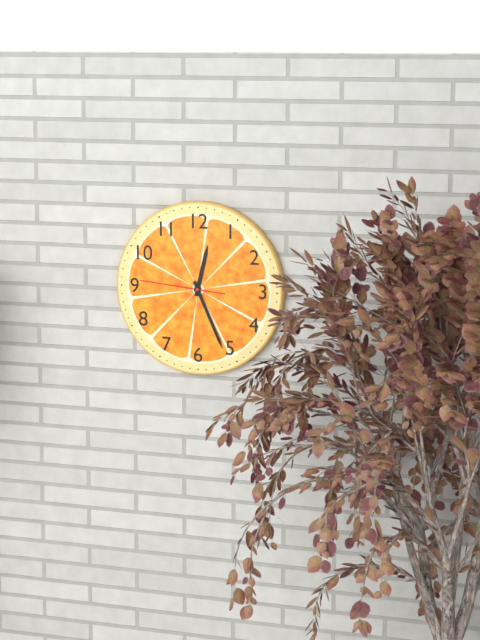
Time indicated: 12:26:46
